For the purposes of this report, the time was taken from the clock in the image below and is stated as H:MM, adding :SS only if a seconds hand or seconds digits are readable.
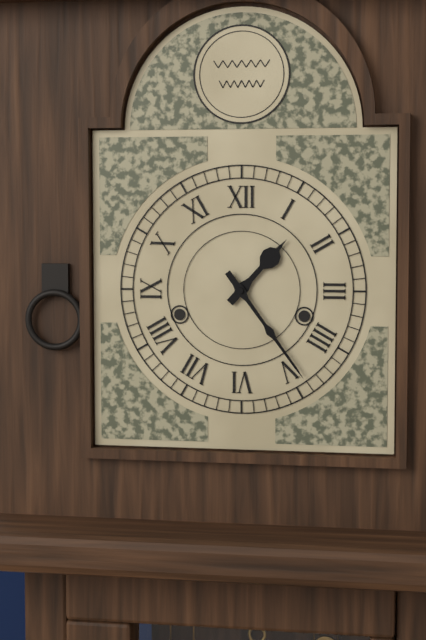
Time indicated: 1:24
